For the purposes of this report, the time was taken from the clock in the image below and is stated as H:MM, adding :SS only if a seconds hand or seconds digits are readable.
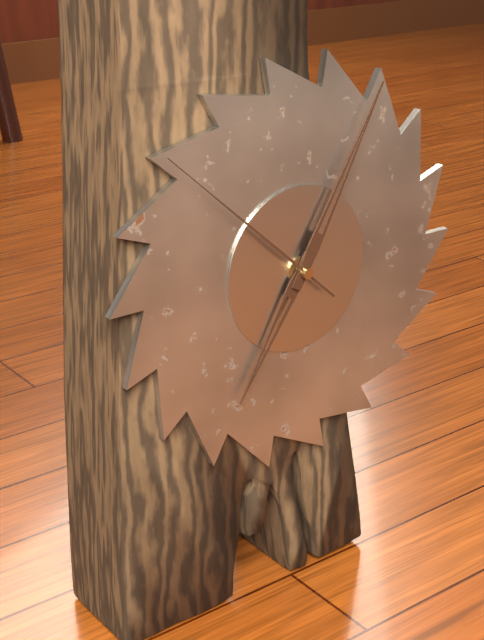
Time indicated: 7:05:52
